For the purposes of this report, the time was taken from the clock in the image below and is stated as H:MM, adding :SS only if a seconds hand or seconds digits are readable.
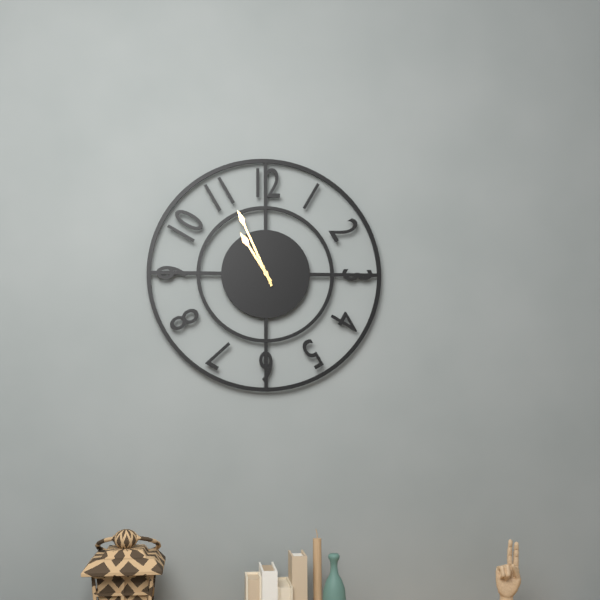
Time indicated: 10:56
